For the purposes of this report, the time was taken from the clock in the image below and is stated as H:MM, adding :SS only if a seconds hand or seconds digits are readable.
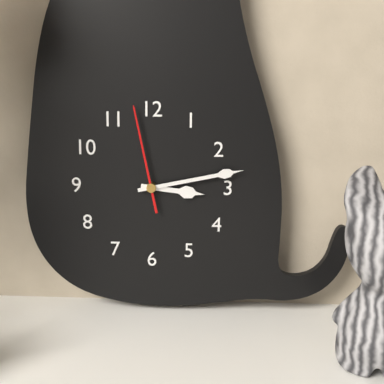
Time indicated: 3:13:58
